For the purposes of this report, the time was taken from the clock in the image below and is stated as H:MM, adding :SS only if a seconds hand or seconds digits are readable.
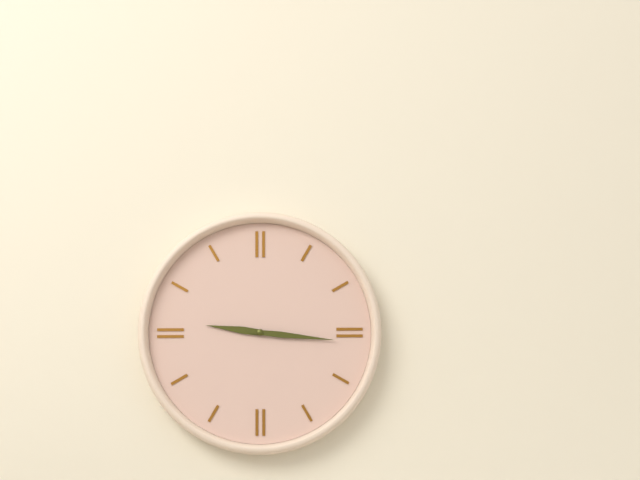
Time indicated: 9:16
